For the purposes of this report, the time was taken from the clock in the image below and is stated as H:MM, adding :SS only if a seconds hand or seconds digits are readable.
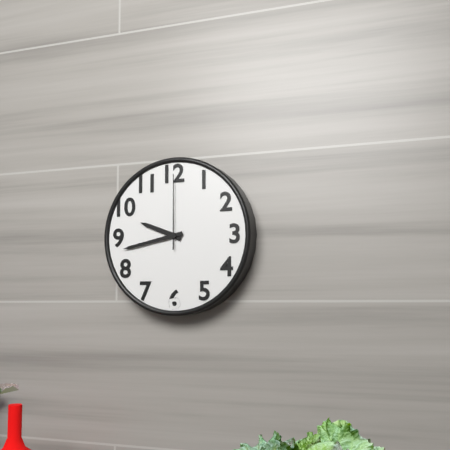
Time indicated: 9:43:00
